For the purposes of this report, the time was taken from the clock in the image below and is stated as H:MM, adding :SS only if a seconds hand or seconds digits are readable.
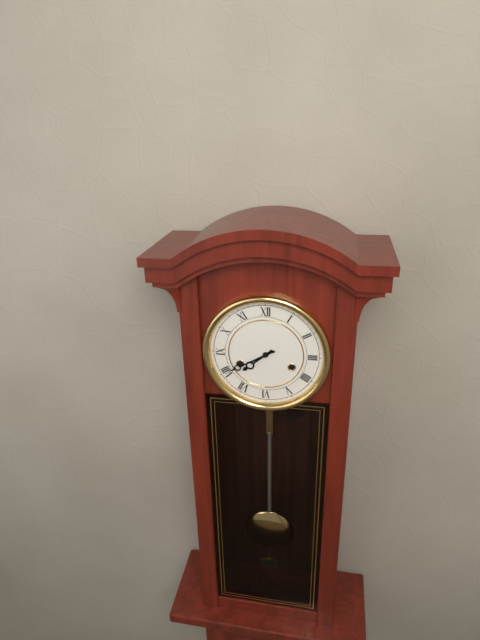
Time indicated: 7:40
